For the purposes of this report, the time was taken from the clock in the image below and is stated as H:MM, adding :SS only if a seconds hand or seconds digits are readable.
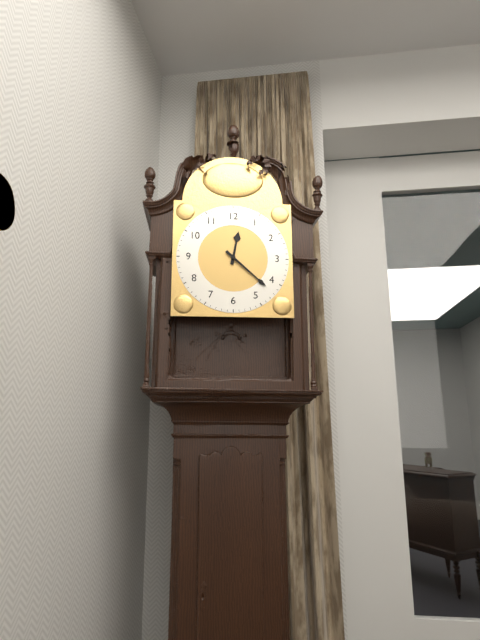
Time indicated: 12:22
